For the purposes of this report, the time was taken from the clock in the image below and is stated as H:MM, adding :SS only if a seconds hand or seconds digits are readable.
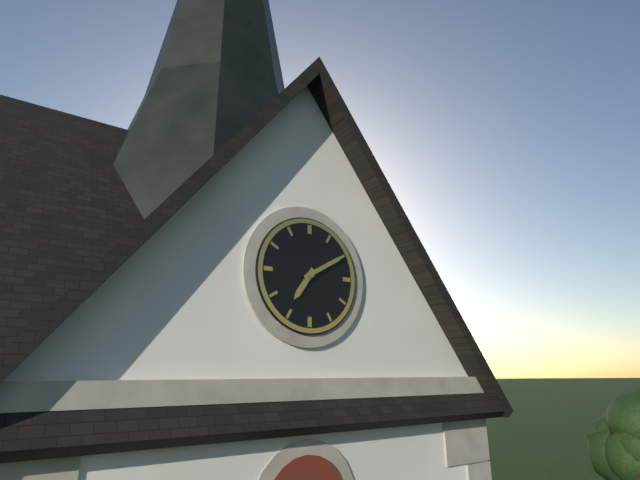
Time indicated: 7:10
